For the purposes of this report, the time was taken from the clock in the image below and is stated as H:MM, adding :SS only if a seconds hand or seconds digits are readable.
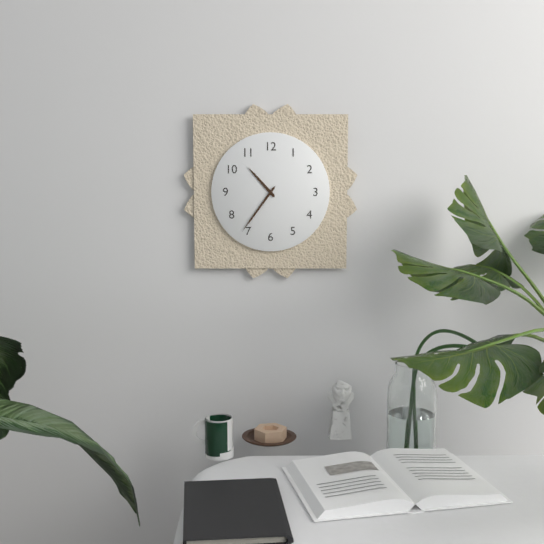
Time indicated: 10:36
